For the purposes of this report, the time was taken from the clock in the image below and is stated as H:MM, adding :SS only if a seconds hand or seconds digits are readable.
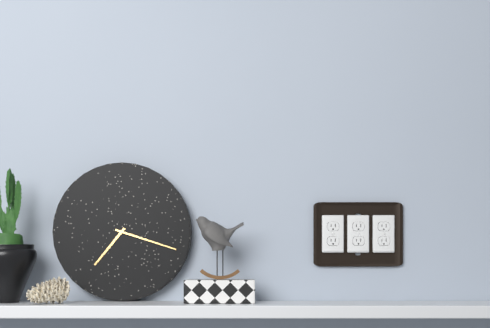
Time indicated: 7:18
